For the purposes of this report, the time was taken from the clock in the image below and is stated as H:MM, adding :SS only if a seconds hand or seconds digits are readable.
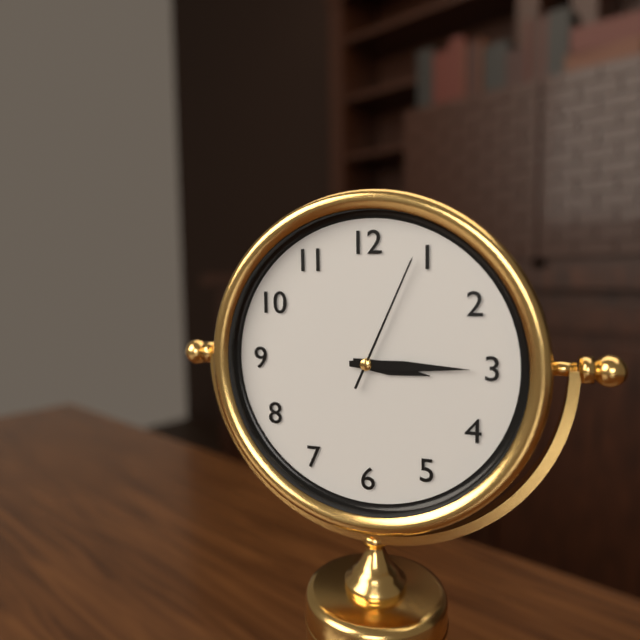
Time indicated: 3:15:04
